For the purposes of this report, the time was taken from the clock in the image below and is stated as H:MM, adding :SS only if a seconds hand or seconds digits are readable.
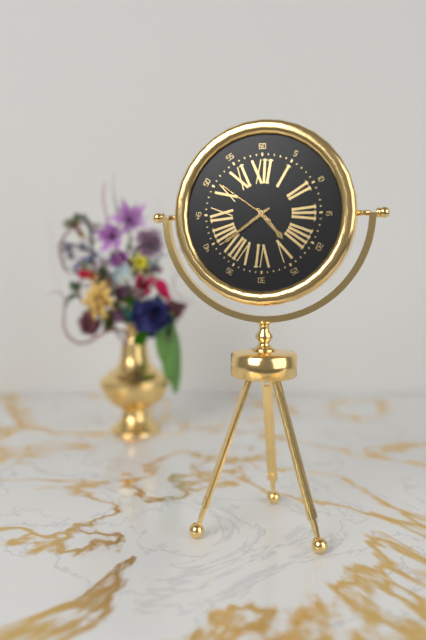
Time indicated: 4:39:51
